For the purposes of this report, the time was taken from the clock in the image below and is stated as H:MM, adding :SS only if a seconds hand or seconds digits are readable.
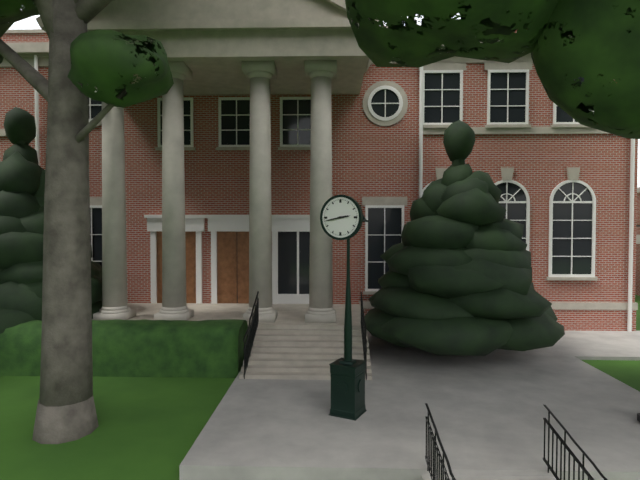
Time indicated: 2:43
